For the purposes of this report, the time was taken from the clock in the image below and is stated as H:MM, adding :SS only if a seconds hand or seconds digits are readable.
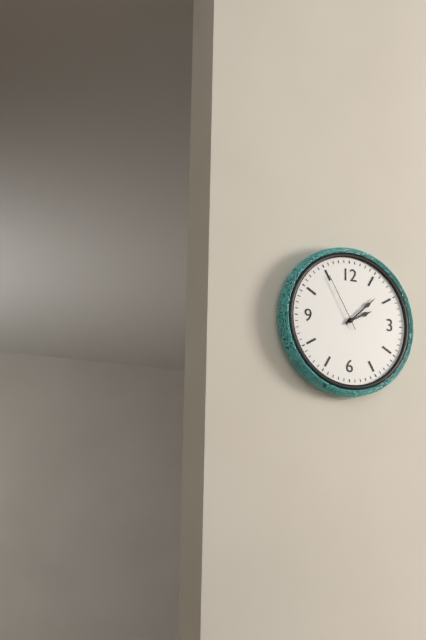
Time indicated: 2:08:55
